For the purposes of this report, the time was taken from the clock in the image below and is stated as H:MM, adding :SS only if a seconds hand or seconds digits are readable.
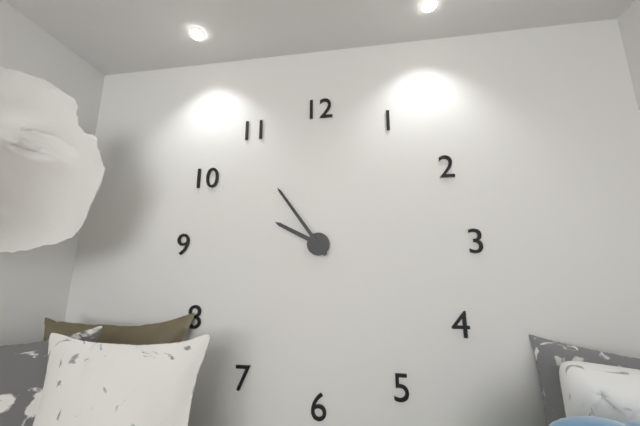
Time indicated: 9:54
